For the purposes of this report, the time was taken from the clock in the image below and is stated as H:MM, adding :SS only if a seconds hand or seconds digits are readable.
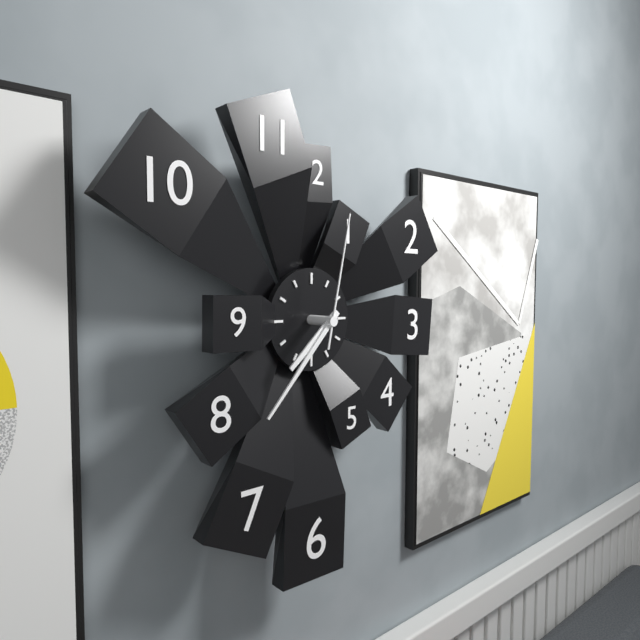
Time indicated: 7:37:02
